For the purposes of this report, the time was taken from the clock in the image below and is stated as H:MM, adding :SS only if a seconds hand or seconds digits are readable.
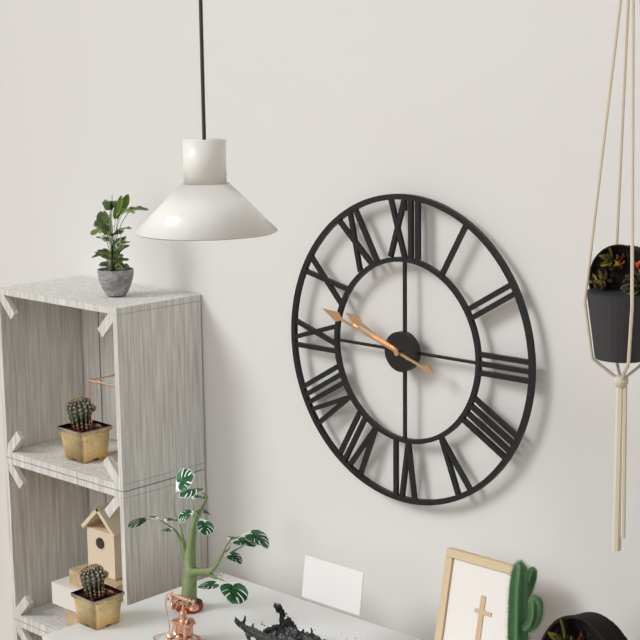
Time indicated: 9:48
